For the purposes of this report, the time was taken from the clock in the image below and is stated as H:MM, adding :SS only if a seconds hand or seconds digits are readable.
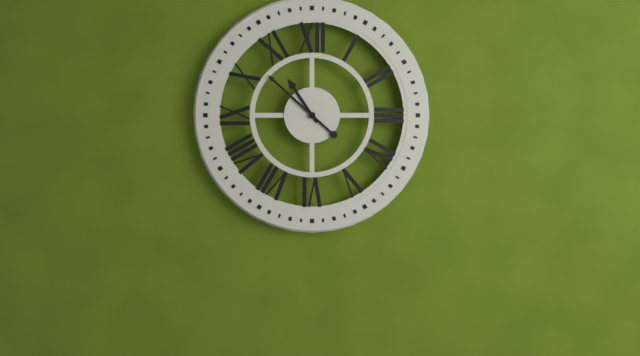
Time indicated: 10:52
